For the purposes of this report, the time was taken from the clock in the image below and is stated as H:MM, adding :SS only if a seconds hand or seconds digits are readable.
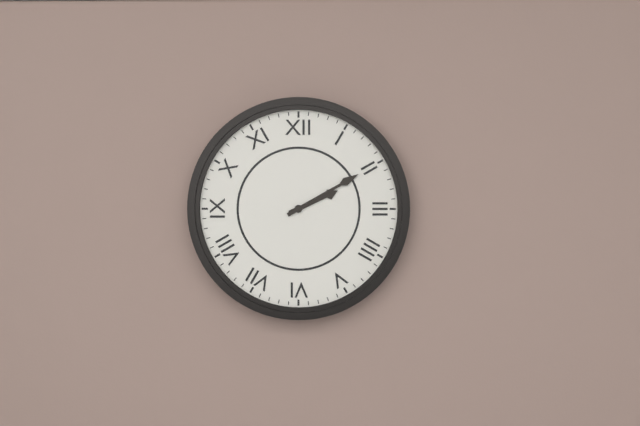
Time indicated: 2:10
